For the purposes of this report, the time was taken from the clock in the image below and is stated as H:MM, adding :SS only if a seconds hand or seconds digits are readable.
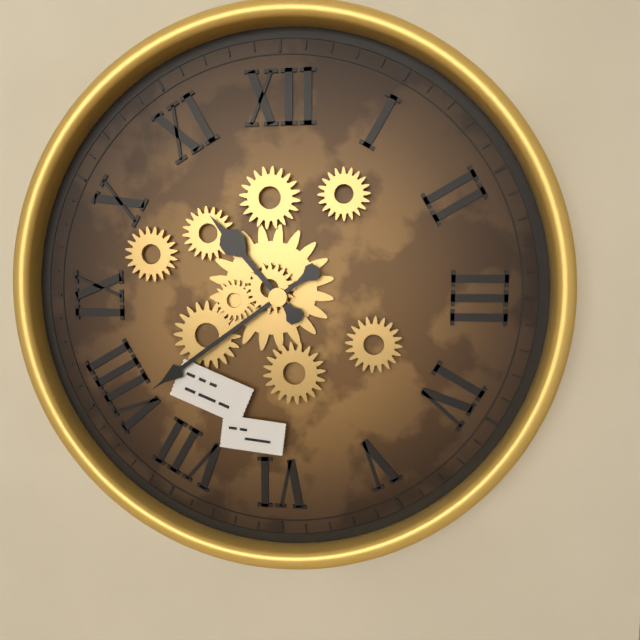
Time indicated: 10:39
